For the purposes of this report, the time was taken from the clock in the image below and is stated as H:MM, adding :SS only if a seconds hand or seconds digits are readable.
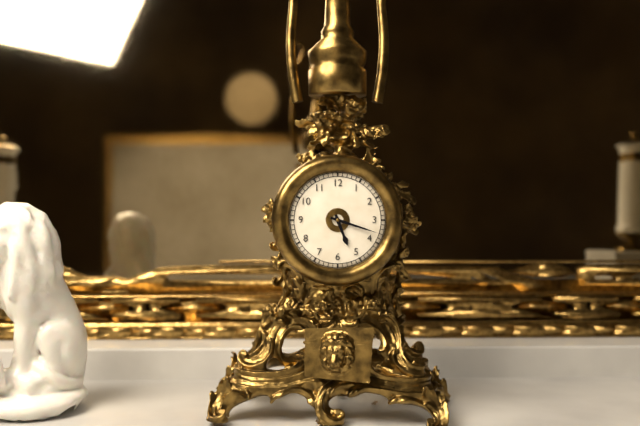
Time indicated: 5:18
